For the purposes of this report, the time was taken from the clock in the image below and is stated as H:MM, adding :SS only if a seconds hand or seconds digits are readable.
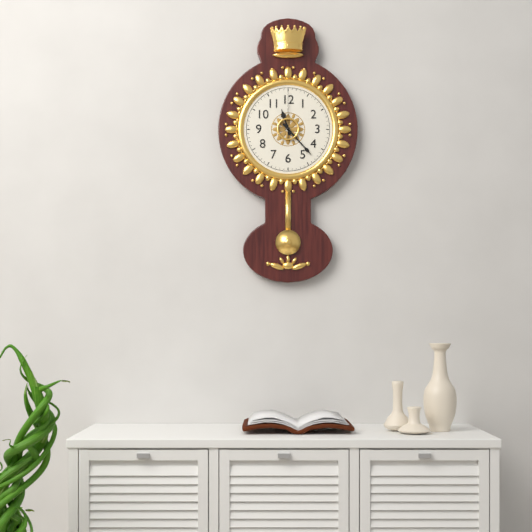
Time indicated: 11:23
